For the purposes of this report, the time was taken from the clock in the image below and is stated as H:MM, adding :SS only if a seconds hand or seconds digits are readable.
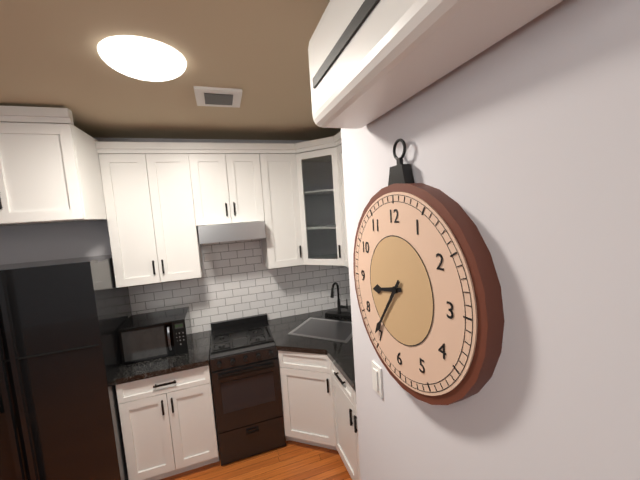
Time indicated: 8:36
